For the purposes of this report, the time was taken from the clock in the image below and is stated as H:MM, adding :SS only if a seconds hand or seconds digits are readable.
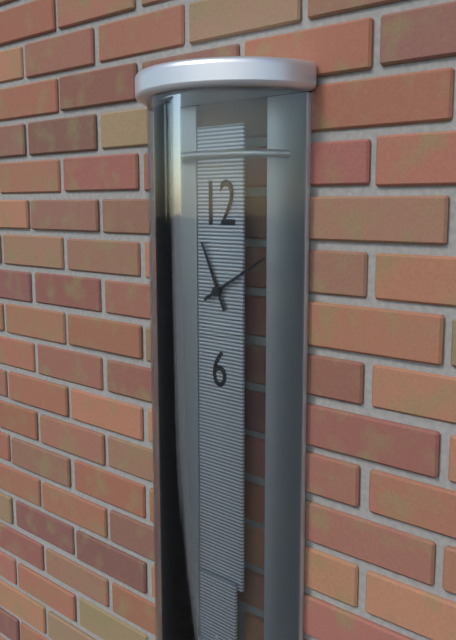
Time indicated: 11:10
